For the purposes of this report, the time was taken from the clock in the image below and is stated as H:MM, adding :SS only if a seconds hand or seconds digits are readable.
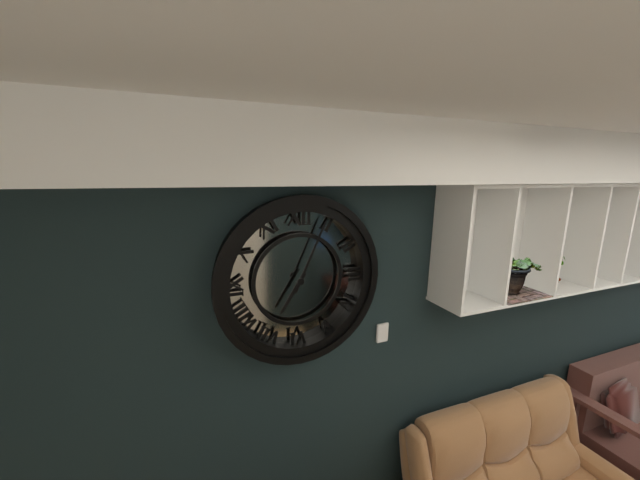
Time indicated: 7:04
